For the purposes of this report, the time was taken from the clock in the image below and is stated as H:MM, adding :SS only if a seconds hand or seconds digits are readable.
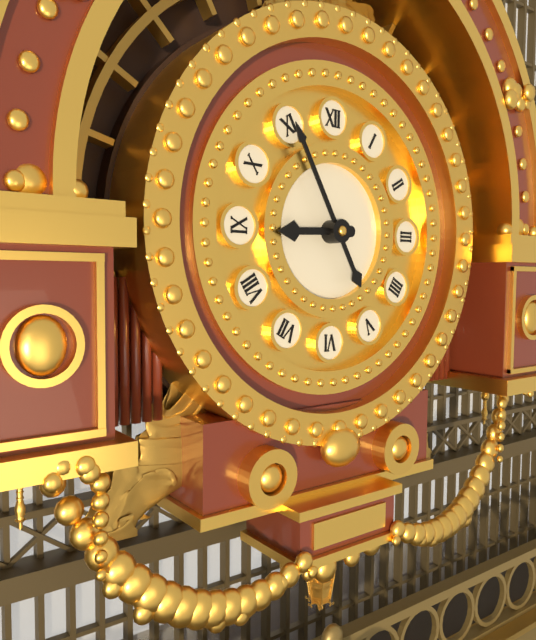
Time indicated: 8:55
